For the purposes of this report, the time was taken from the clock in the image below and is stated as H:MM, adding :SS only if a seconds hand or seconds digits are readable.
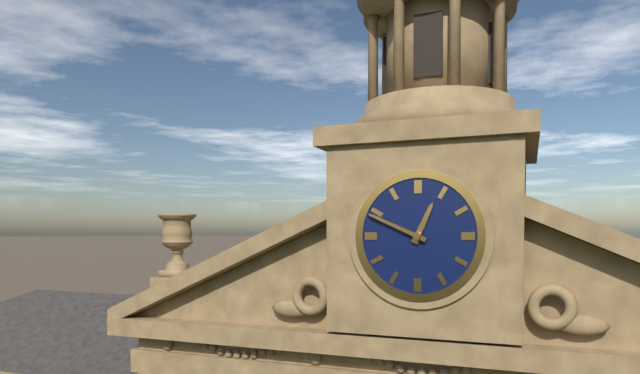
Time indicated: 12:49
